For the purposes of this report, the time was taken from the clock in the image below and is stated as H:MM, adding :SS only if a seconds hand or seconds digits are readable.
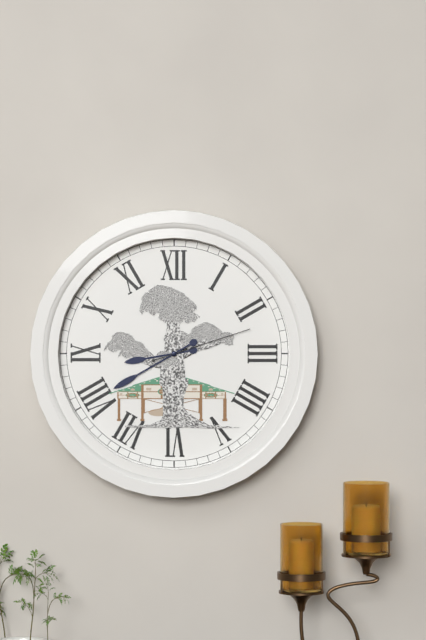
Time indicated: 8:40:12
